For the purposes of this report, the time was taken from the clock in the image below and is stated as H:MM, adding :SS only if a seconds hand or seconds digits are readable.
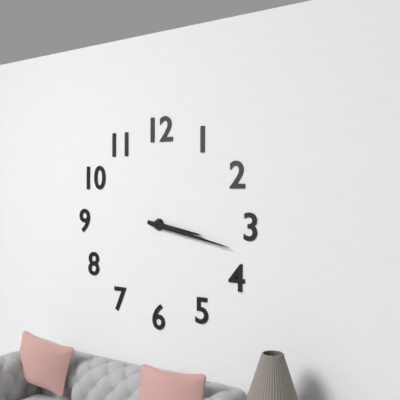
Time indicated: 3:17
